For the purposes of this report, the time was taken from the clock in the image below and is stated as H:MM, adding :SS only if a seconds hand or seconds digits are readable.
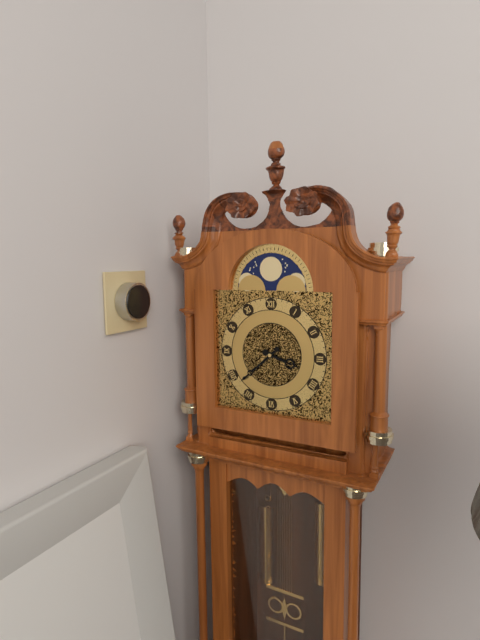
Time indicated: 3:38
